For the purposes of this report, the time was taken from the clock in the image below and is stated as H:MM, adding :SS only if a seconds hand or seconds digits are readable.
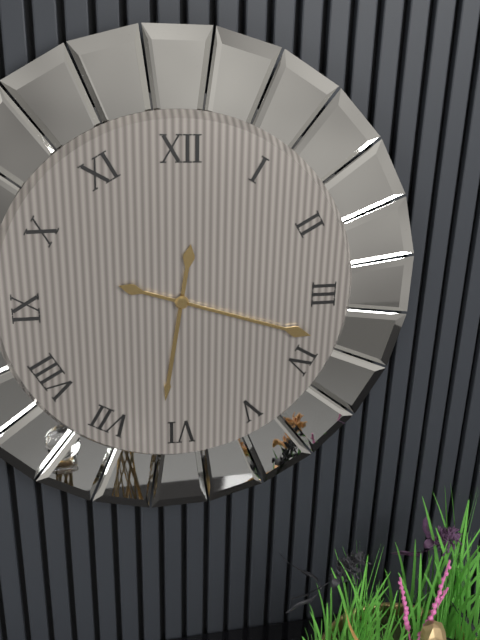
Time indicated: 6:18
